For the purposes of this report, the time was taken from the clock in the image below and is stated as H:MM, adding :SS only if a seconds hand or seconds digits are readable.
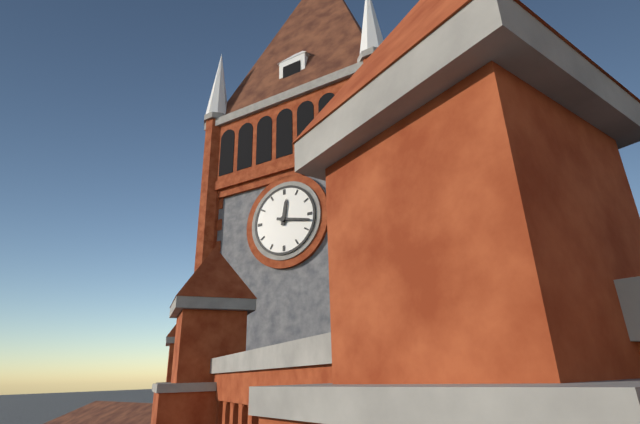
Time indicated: 12:17
